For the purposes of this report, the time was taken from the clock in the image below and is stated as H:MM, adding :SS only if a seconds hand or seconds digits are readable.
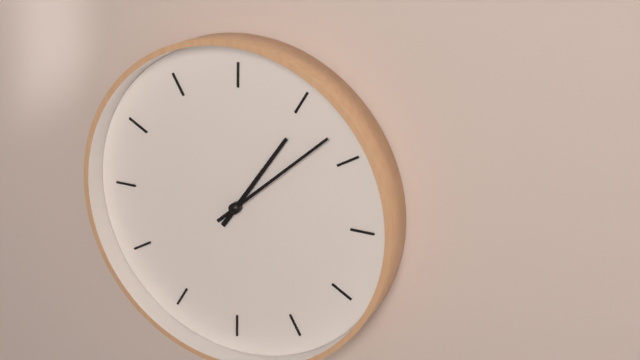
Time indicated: 1:08
